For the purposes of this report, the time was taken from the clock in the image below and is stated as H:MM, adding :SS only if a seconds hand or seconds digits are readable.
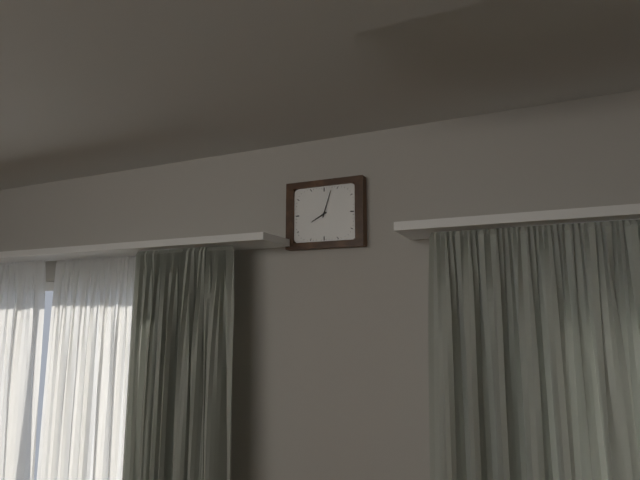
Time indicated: 8:03
